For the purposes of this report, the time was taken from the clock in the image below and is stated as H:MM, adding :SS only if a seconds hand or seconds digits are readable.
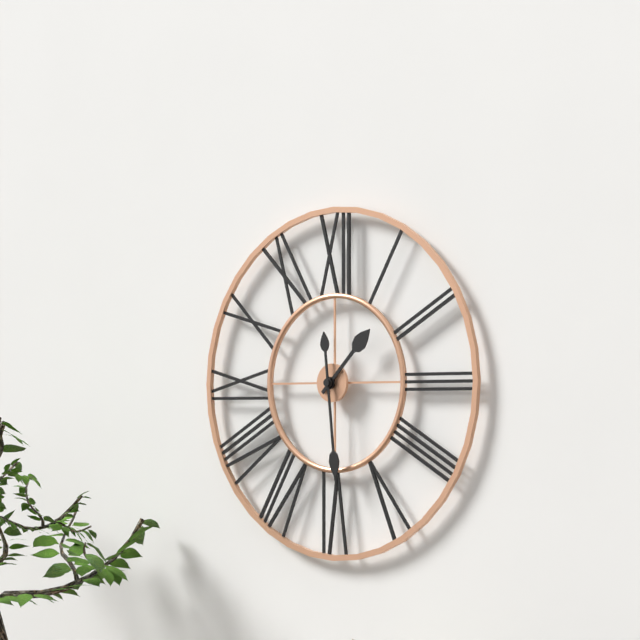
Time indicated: 1:29
